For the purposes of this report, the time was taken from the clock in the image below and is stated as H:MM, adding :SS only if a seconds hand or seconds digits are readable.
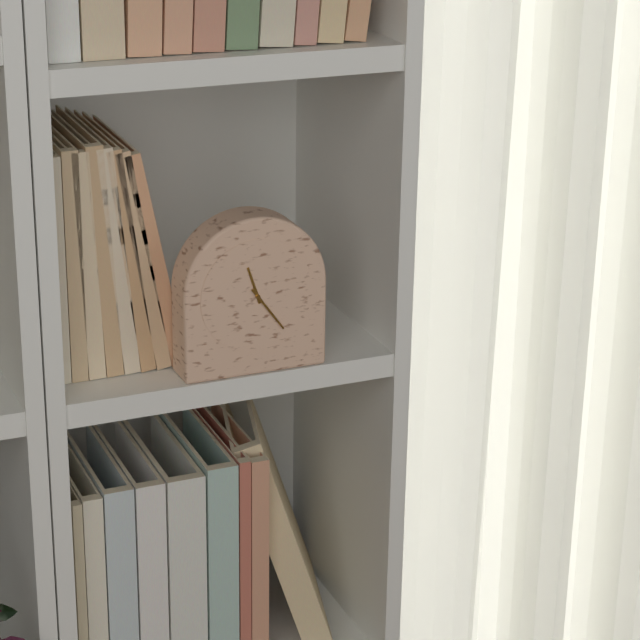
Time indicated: 11:24
